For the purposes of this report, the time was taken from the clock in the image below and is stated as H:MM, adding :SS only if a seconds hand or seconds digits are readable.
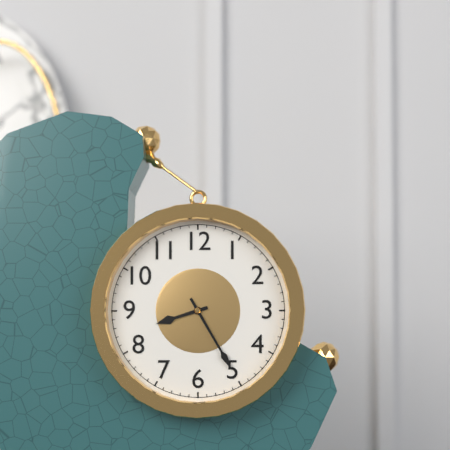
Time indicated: 8:25
